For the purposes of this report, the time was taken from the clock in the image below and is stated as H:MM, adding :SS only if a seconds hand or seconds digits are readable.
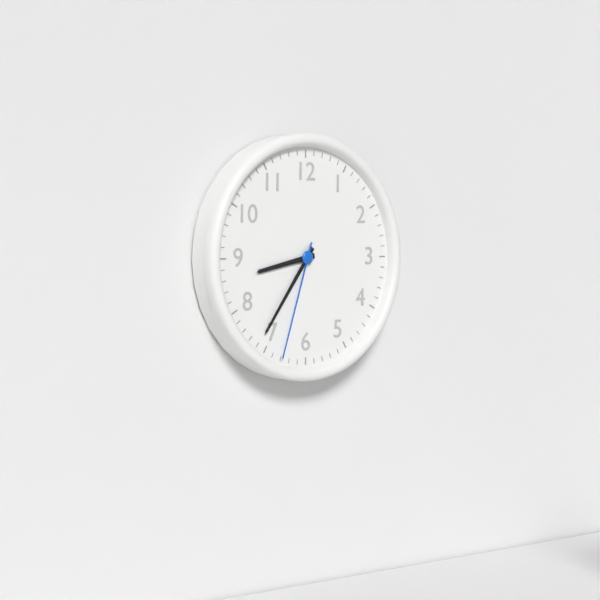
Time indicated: 8:36:33
